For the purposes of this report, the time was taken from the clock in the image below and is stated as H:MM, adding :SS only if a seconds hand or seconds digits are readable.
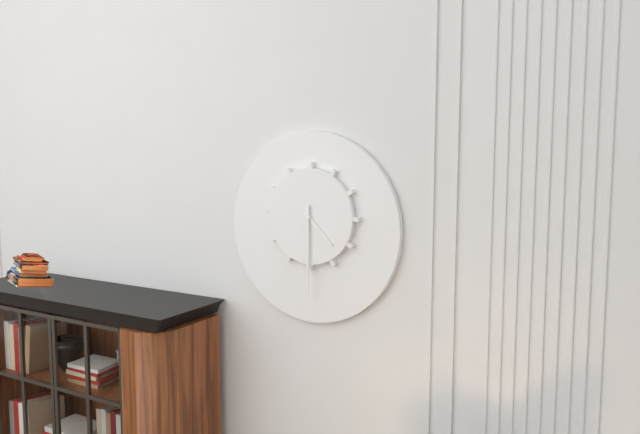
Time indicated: 4:30
